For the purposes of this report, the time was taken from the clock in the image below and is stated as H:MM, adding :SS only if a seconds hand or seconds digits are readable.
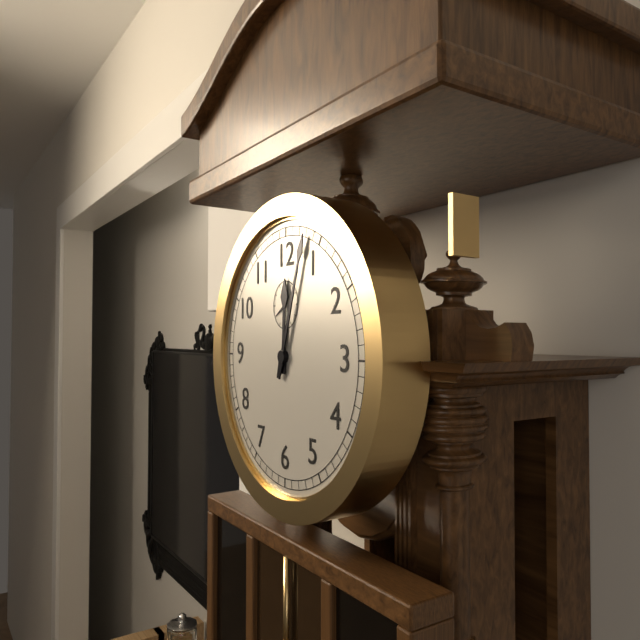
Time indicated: 12:03
